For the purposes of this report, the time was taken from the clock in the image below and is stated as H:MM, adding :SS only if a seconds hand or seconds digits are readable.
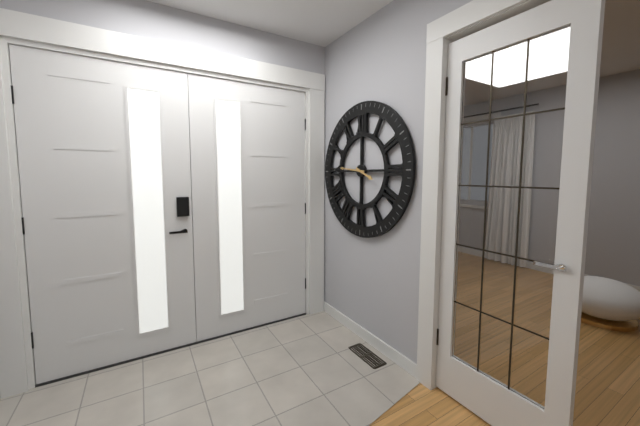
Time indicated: 3:46
